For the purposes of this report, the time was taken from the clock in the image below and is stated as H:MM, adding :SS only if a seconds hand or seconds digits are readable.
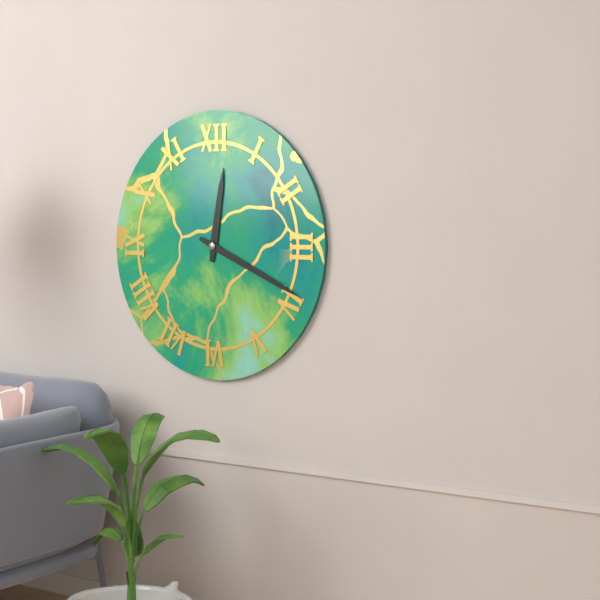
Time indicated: 12:19
